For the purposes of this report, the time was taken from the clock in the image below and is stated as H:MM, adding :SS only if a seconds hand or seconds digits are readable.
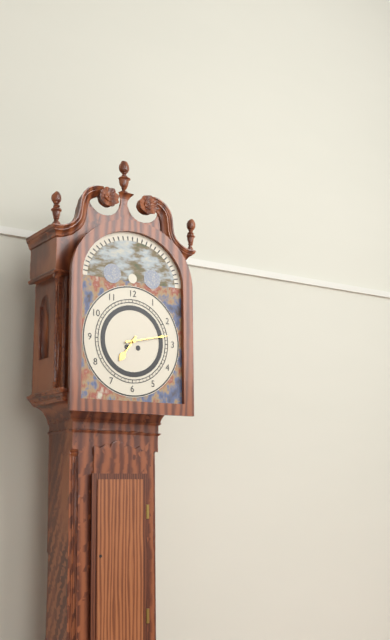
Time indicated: 7:13
